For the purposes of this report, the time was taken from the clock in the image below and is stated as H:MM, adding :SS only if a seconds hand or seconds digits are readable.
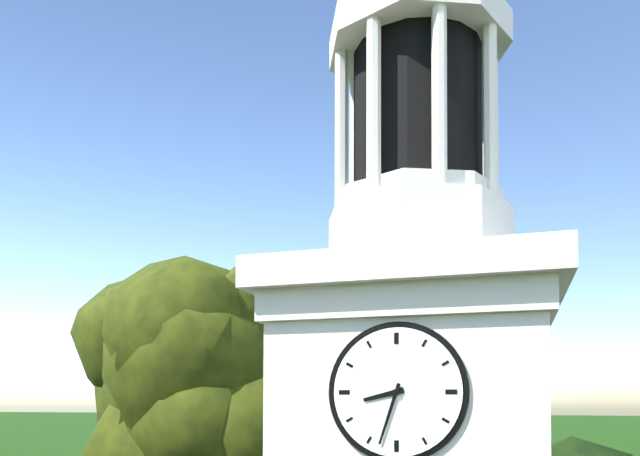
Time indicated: 8:33
